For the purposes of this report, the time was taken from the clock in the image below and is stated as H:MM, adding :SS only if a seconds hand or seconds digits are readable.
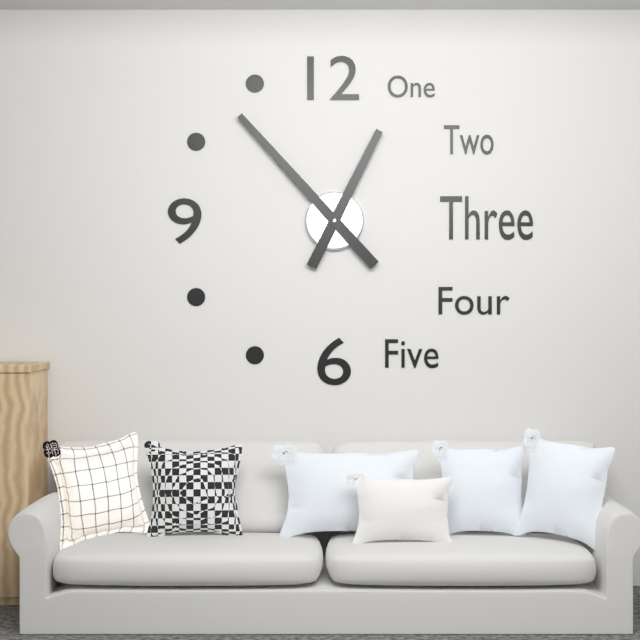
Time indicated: 12:53
